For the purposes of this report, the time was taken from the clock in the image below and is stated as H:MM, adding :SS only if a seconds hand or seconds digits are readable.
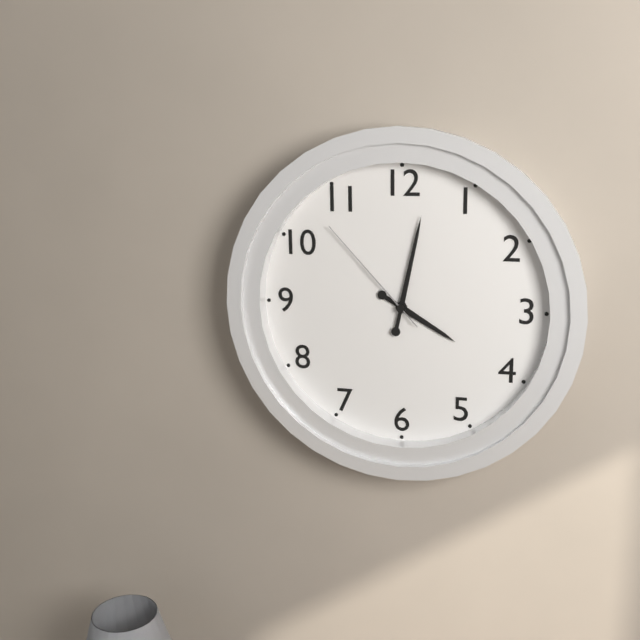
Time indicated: 4:02:53
